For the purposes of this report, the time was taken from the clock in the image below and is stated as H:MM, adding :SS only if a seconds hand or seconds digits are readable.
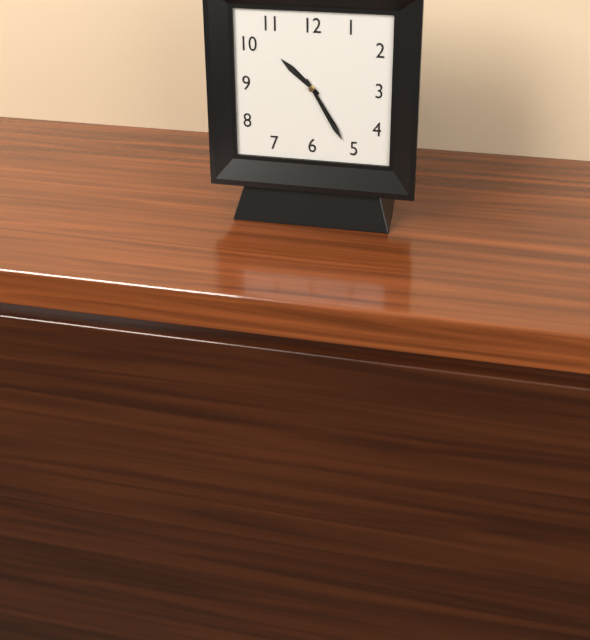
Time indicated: 10:25
